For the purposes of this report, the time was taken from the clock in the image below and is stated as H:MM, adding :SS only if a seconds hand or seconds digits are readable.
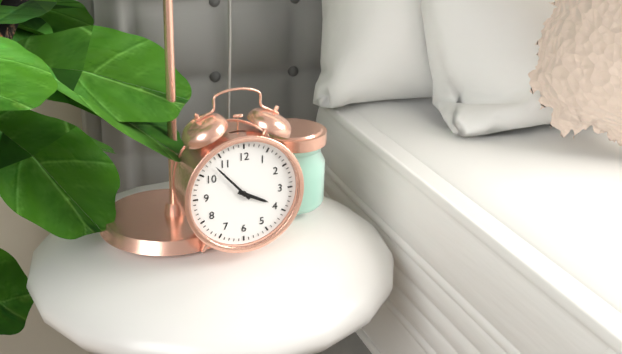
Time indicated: 3:53
